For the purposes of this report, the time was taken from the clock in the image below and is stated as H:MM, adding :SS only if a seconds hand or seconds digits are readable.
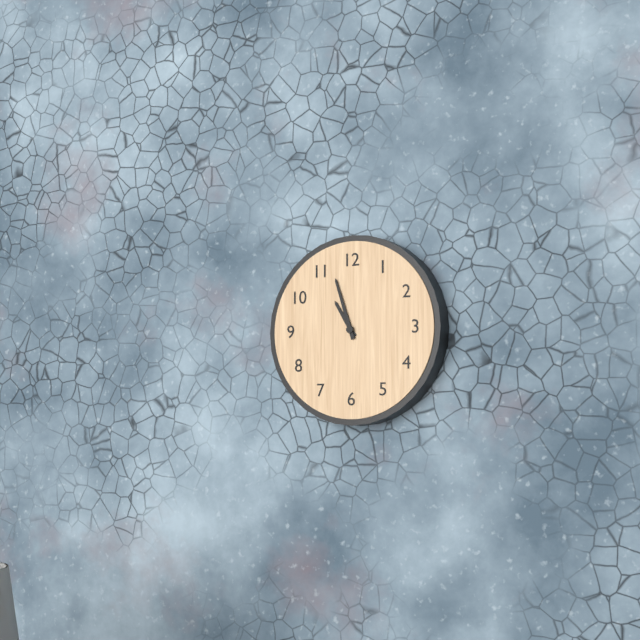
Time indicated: 10:57
